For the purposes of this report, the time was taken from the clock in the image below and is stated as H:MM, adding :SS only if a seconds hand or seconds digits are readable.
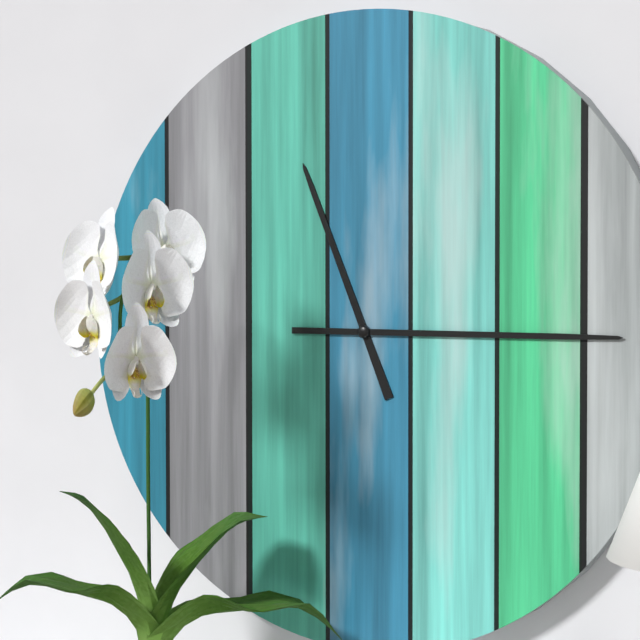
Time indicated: 11:15
